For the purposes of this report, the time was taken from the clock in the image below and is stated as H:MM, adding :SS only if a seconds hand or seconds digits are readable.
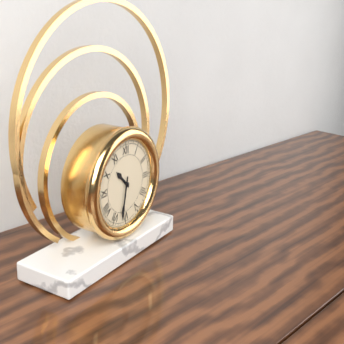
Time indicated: 10:32
